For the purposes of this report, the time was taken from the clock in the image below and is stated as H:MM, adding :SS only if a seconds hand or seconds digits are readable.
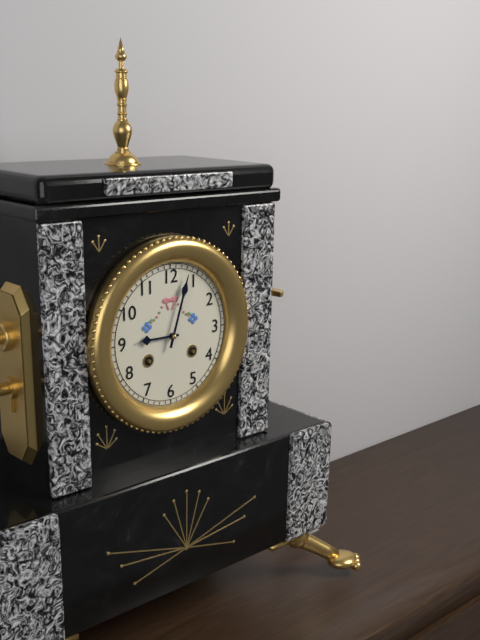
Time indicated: 9:03
